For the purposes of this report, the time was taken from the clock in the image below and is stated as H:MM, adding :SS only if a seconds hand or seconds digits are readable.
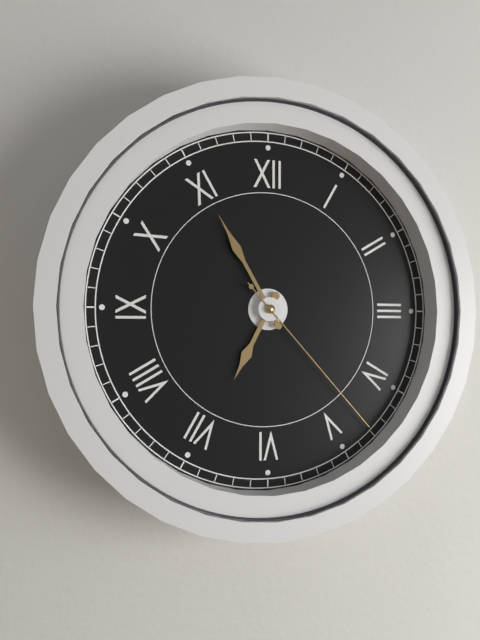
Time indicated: 6:55:23
